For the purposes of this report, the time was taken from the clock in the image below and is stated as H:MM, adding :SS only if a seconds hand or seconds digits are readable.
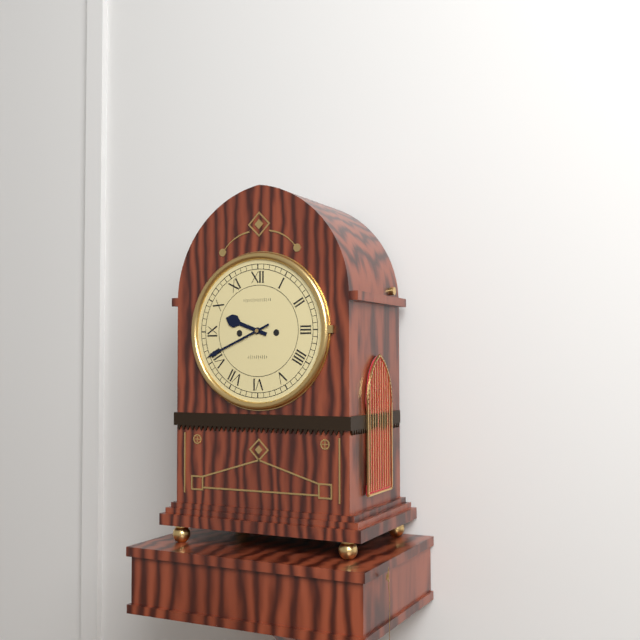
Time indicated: 9:41
